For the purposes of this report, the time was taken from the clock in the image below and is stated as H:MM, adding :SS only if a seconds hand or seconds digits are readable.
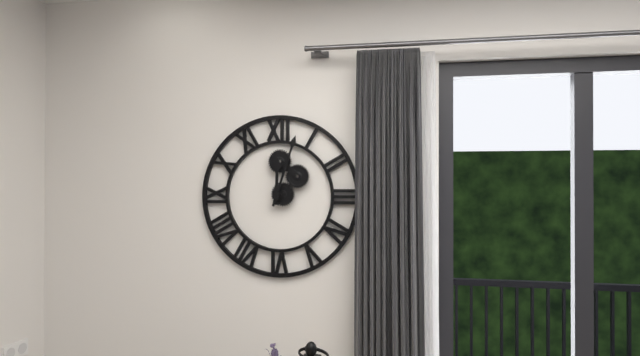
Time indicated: 12:03
